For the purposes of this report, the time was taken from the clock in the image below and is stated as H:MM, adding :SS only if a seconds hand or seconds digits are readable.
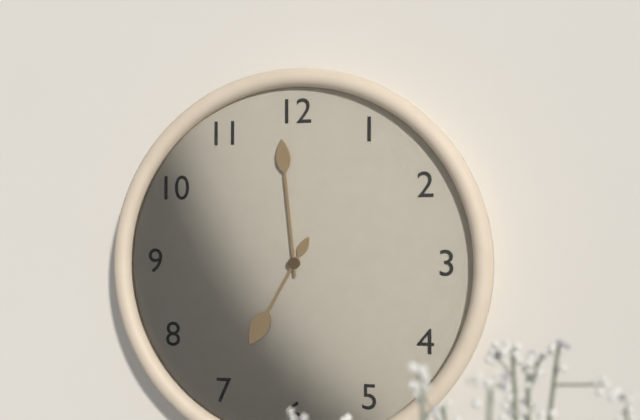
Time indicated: 6:59
